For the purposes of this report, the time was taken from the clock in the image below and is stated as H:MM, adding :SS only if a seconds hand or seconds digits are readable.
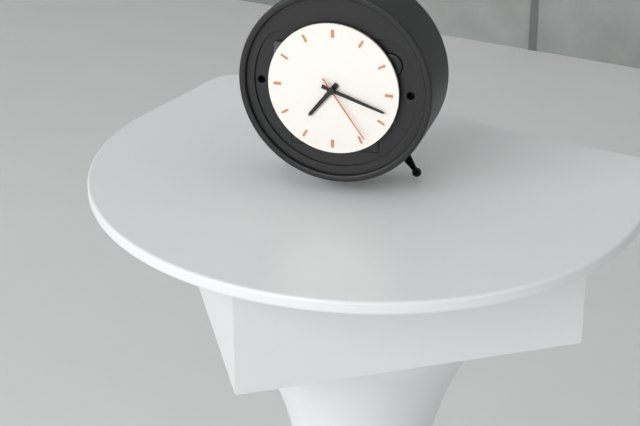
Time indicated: 7:18:24
